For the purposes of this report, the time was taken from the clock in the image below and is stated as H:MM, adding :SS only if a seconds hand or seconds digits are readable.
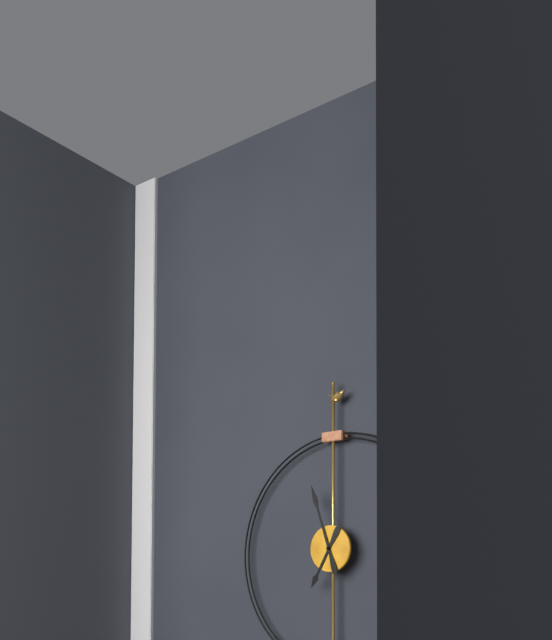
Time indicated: 6:57
